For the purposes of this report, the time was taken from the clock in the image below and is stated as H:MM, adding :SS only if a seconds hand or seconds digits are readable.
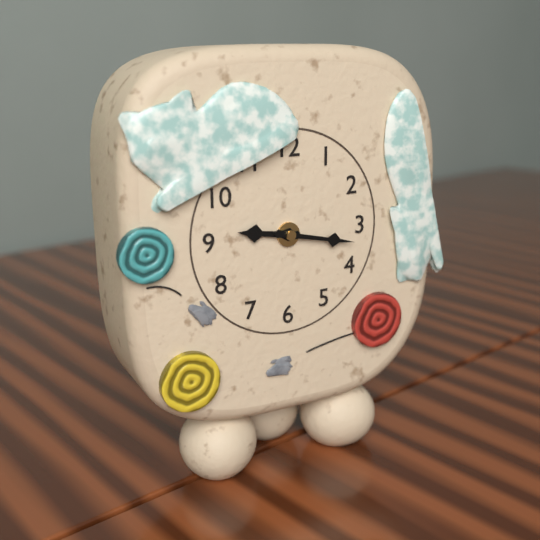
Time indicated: 9:17
